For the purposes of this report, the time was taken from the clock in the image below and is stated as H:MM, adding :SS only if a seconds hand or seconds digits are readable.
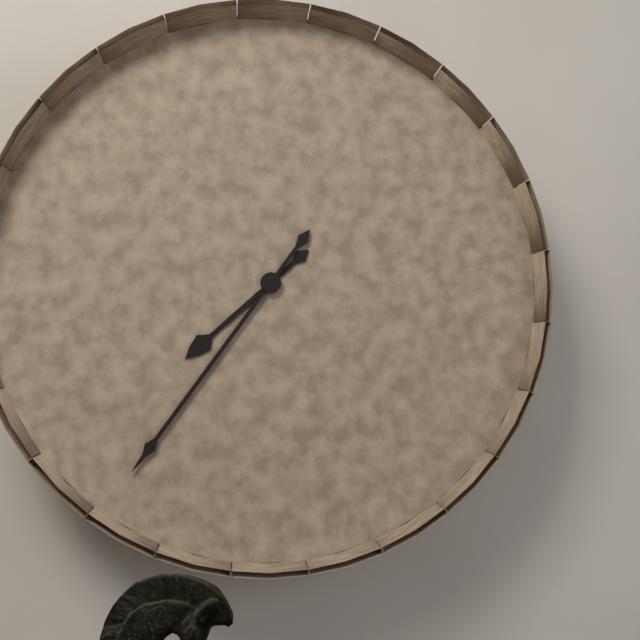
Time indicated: 7:36
